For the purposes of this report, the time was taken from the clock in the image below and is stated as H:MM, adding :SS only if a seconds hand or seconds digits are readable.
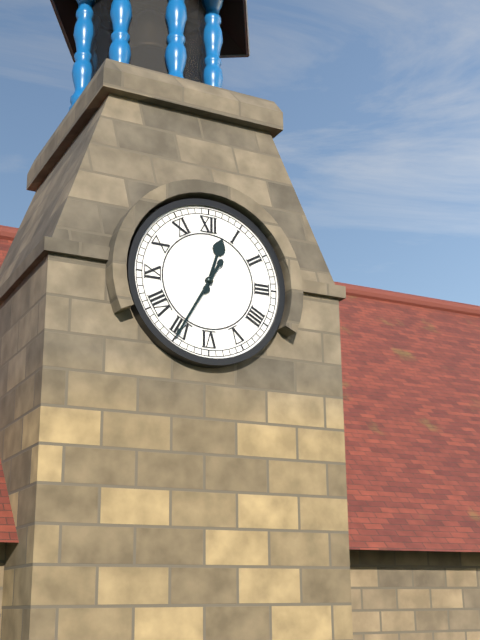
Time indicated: 12:35
